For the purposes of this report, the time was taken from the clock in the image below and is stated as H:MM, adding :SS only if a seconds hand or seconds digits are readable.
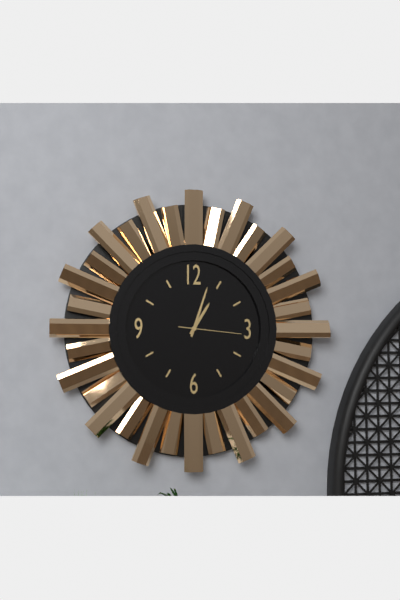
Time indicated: 1:03:16
